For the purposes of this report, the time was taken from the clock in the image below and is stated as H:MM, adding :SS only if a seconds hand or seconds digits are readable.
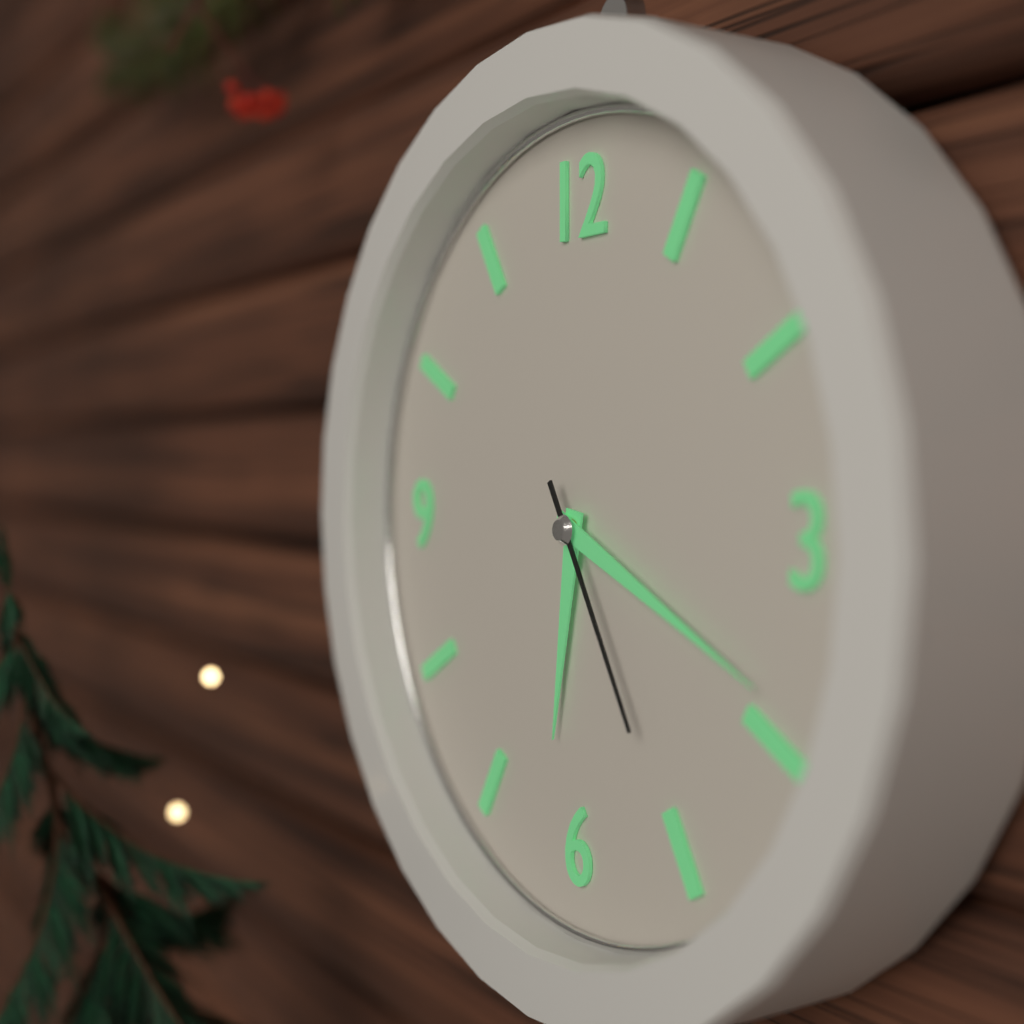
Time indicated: 6:19:25
